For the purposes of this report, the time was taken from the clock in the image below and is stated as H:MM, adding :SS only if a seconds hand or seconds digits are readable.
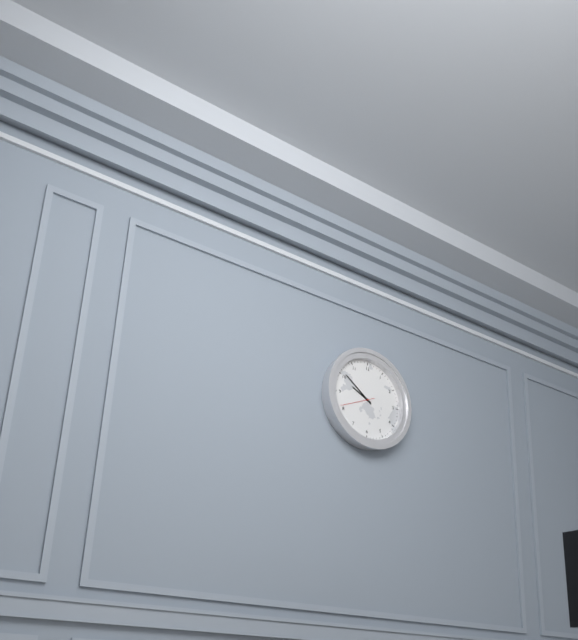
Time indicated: 9:51
